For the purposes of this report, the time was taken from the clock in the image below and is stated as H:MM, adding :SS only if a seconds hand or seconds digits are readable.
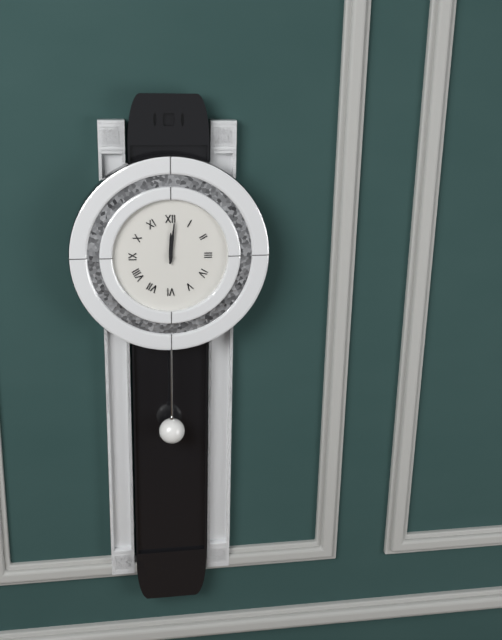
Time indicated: 12:01
